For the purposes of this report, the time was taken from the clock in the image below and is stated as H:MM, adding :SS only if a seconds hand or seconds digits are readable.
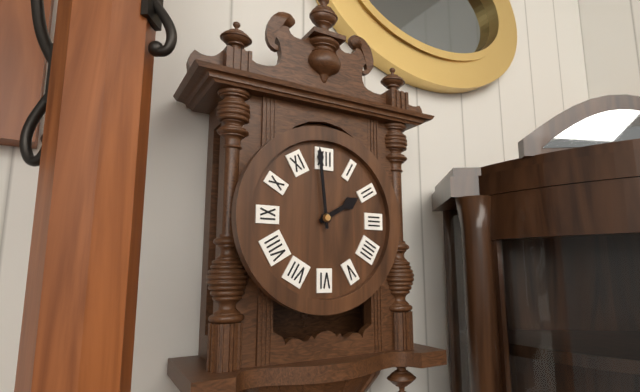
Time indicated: 1:59
